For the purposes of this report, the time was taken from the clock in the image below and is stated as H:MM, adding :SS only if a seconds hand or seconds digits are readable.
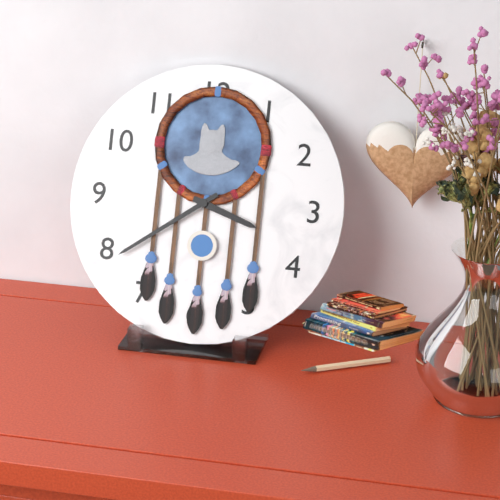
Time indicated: 3:39
